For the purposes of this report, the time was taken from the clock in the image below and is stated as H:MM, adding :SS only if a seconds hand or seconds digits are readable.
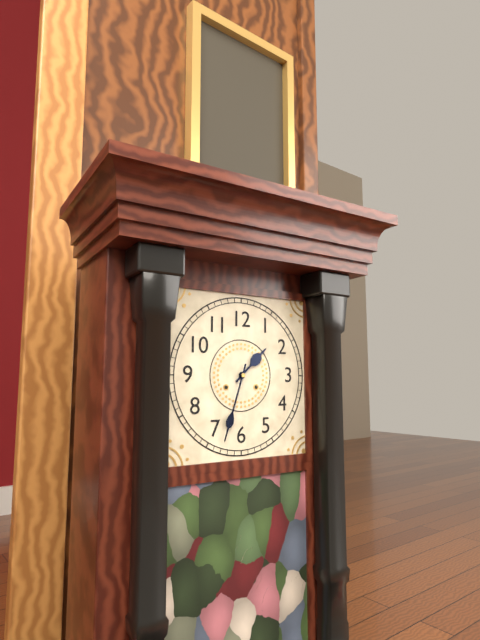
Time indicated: 1:33
